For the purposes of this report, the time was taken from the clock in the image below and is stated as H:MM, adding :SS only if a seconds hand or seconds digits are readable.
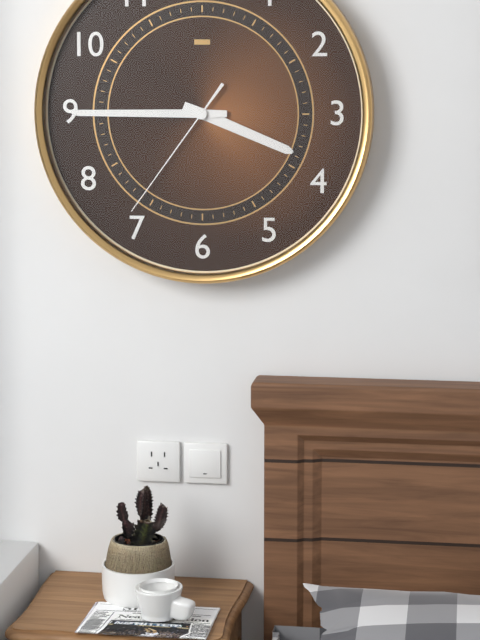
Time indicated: 3:45:36
